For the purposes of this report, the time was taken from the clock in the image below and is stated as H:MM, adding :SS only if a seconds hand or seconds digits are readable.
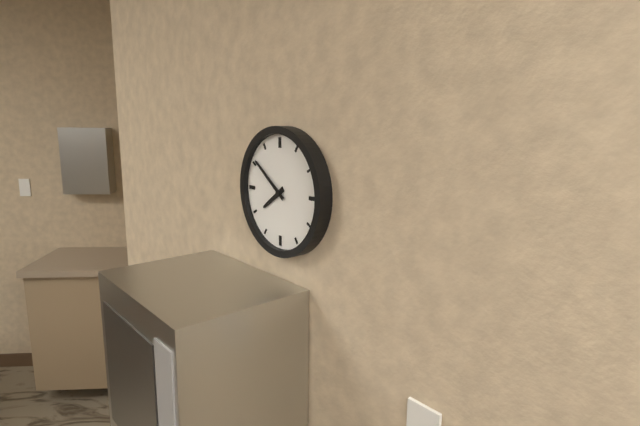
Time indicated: 7:51
